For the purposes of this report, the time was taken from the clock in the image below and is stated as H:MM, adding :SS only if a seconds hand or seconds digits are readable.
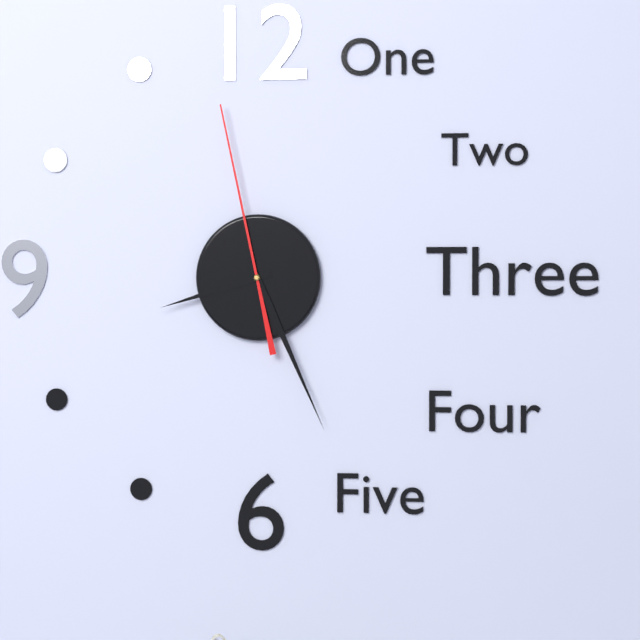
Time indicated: 8:26:58
